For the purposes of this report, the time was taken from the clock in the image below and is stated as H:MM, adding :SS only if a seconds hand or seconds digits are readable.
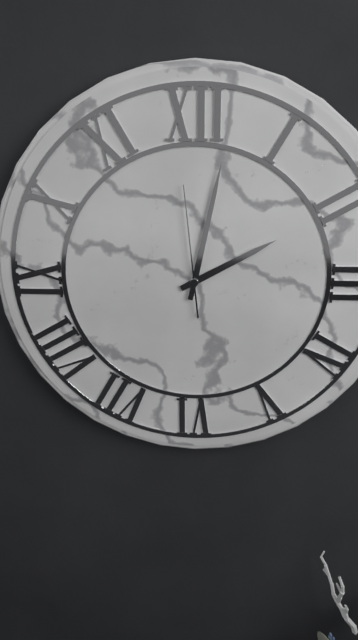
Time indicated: 2:02:59
